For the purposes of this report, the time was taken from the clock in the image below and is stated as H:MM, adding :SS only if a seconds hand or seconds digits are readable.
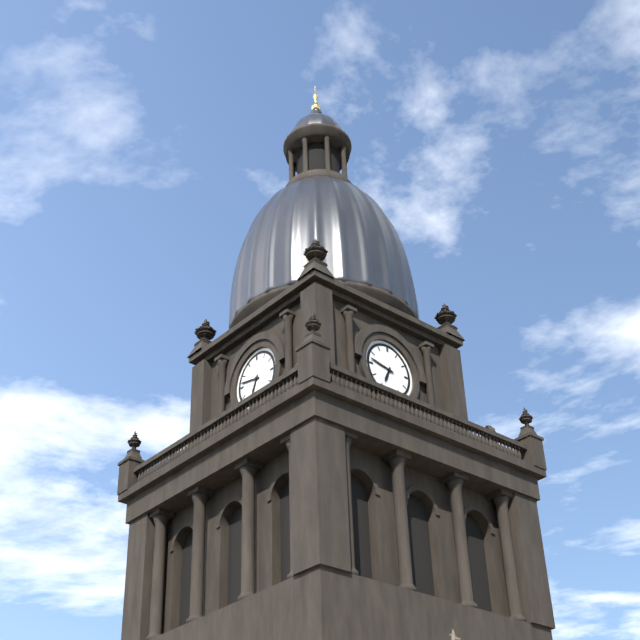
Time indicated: 6:47
